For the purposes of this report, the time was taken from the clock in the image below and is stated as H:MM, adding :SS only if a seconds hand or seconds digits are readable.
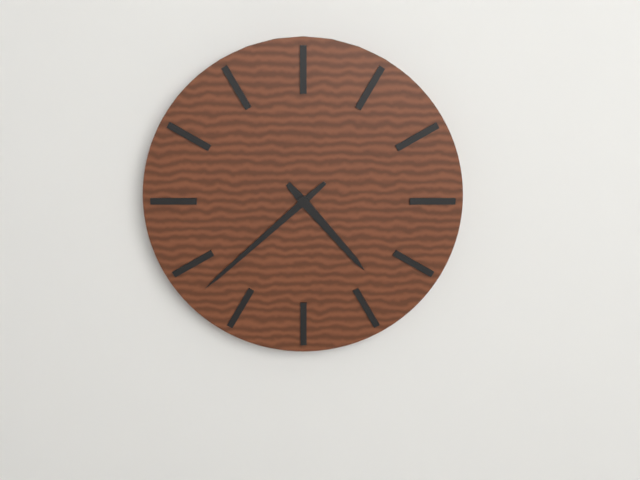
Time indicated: 4:38
